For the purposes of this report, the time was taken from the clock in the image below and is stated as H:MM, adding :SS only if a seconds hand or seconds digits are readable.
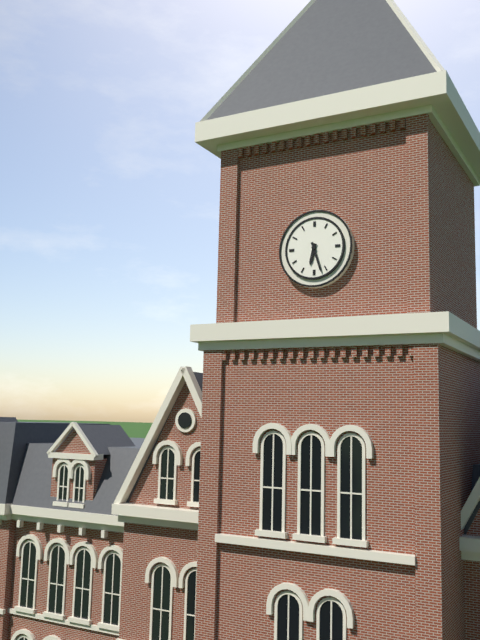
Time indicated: 6:27
